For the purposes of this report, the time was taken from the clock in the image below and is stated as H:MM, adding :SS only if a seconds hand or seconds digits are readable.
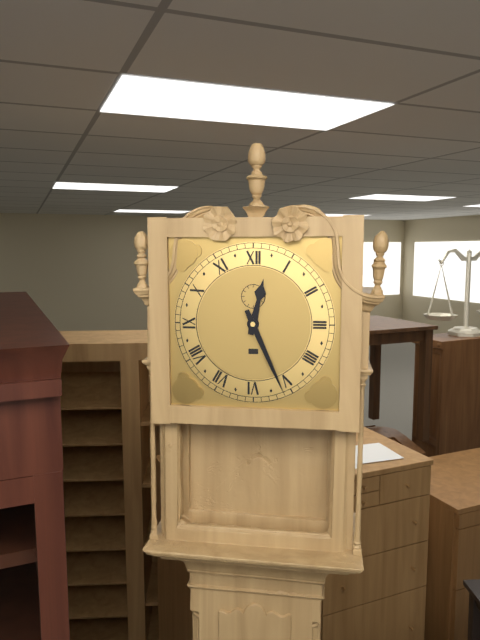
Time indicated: 12:26
